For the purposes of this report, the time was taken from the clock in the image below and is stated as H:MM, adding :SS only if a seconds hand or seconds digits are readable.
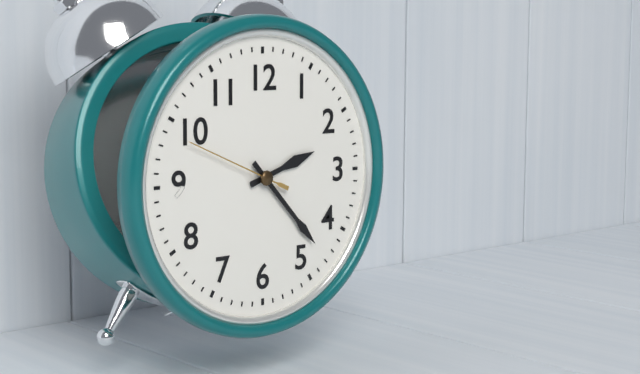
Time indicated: 2:23:49
